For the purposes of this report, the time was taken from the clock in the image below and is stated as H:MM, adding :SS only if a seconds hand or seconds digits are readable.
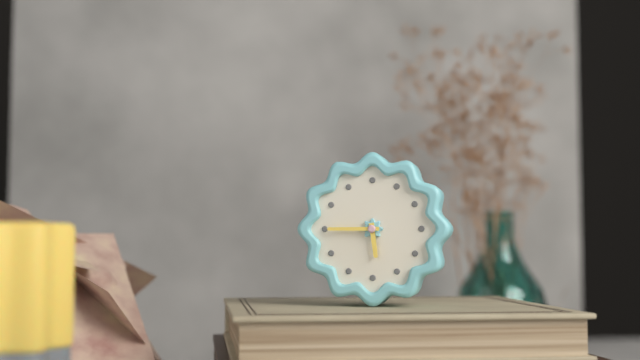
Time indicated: 5:45
